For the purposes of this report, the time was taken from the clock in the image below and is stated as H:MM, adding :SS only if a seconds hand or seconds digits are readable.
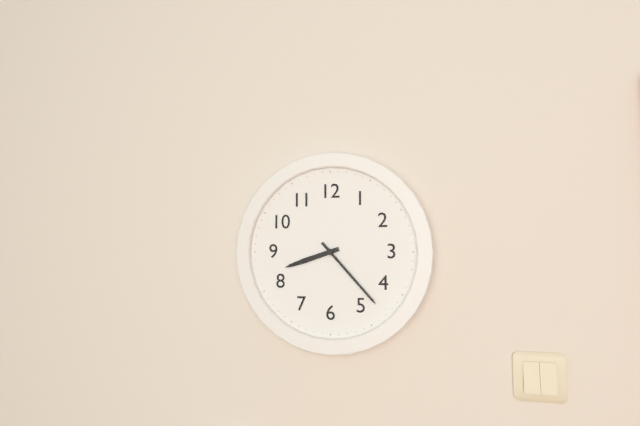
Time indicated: 8:23
